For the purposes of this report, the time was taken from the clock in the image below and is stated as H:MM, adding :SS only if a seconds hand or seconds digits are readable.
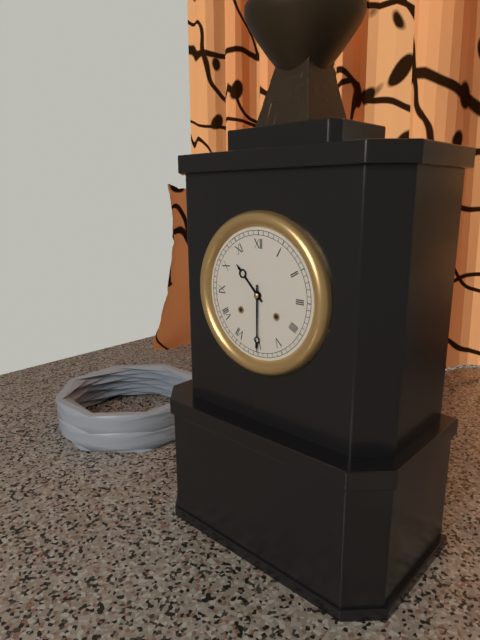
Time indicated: 10:30
